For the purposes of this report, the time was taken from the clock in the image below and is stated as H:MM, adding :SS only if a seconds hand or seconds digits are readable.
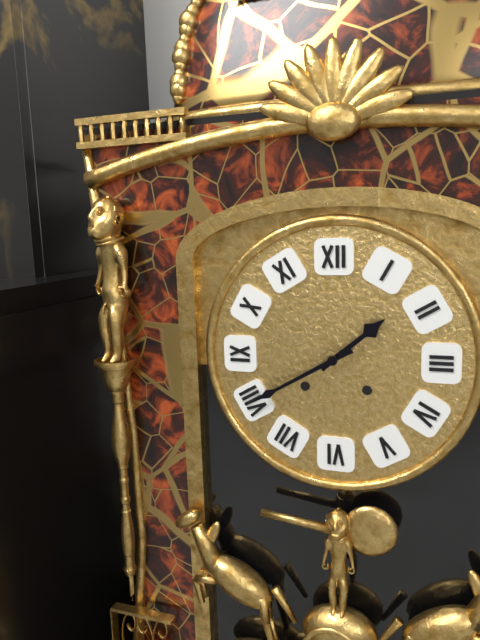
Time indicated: 1:40
